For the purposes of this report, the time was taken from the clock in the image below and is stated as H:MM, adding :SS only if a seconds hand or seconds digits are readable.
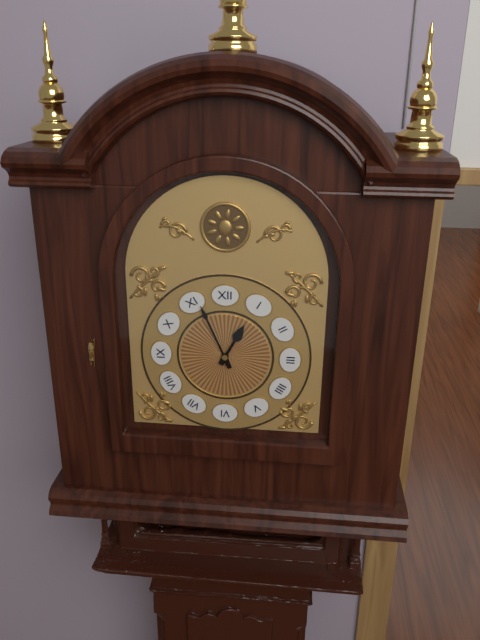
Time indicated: 12:56
